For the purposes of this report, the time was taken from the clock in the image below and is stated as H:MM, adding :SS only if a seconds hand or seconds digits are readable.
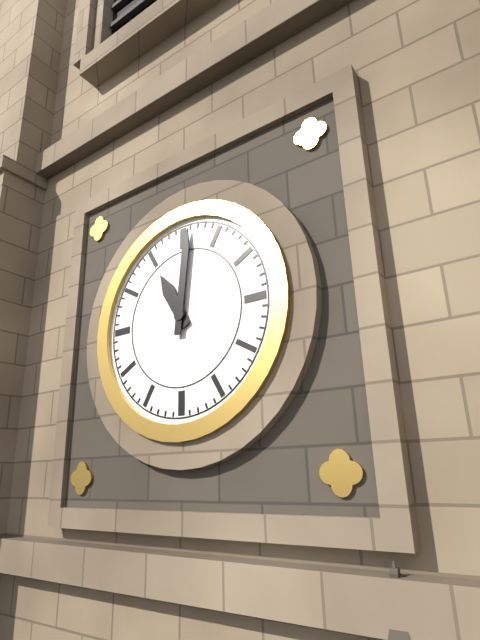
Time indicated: 11:01
